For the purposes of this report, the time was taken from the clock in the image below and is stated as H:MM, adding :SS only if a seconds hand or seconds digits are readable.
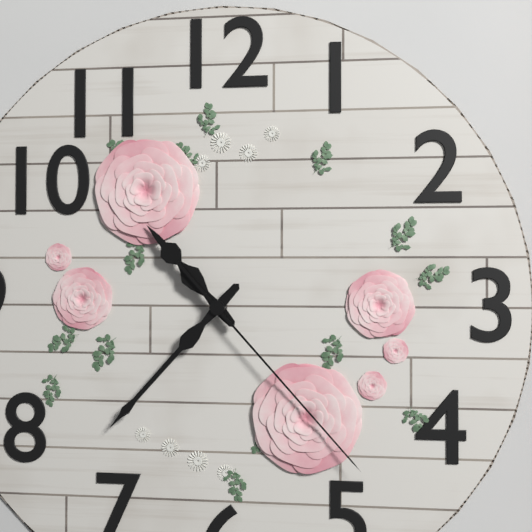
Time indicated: 10:37:23
